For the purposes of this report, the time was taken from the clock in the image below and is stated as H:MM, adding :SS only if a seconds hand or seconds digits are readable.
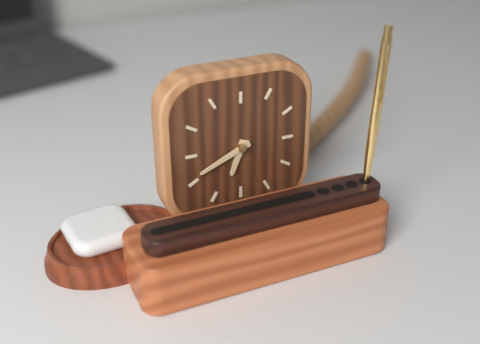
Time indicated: 6:41
